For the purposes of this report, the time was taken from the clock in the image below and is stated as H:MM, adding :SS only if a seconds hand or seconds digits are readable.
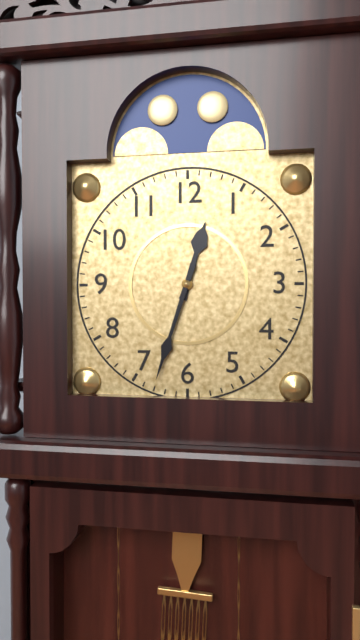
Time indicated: 12:33
